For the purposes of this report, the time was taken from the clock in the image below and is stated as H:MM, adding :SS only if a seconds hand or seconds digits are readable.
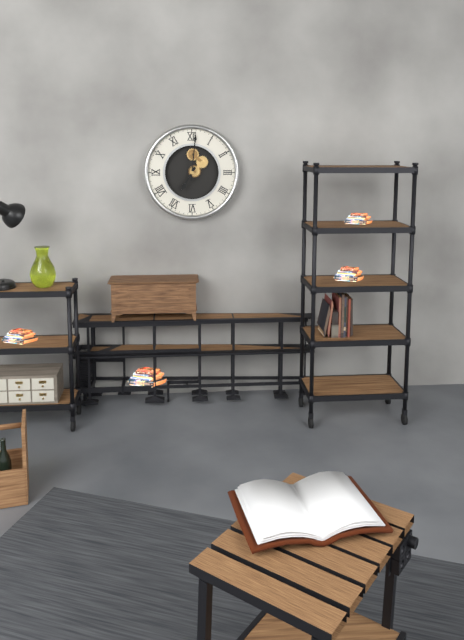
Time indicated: 7:01
